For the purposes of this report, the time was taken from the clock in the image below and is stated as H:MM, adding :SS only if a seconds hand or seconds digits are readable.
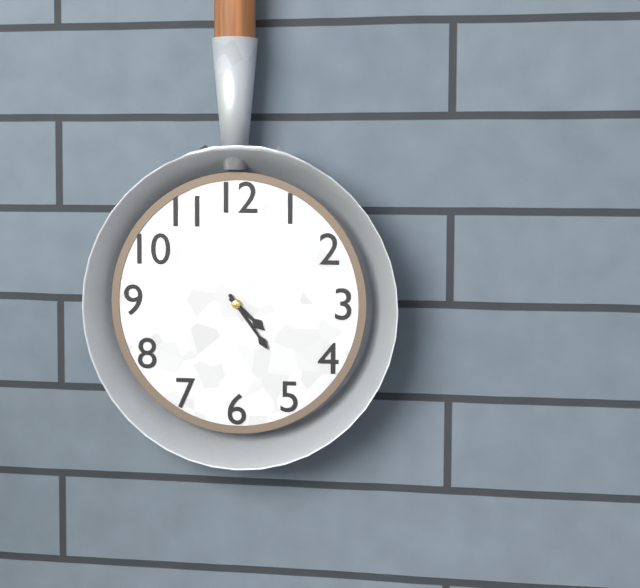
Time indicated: 4:24
